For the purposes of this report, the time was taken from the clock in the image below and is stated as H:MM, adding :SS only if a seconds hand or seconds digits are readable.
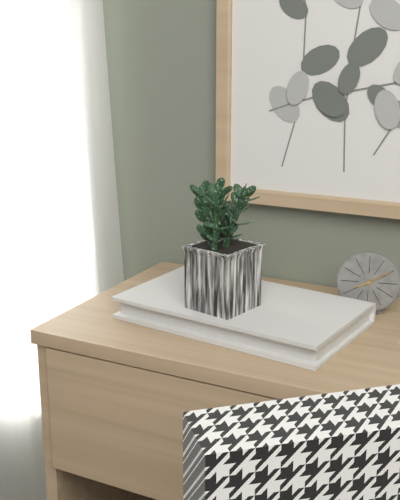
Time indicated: 8:10
